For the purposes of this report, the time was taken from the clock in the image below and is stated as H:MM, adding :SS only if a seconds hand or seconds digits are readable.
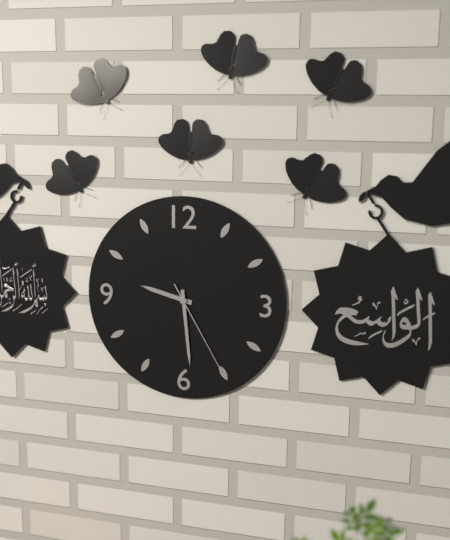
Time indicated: 9:29:25
